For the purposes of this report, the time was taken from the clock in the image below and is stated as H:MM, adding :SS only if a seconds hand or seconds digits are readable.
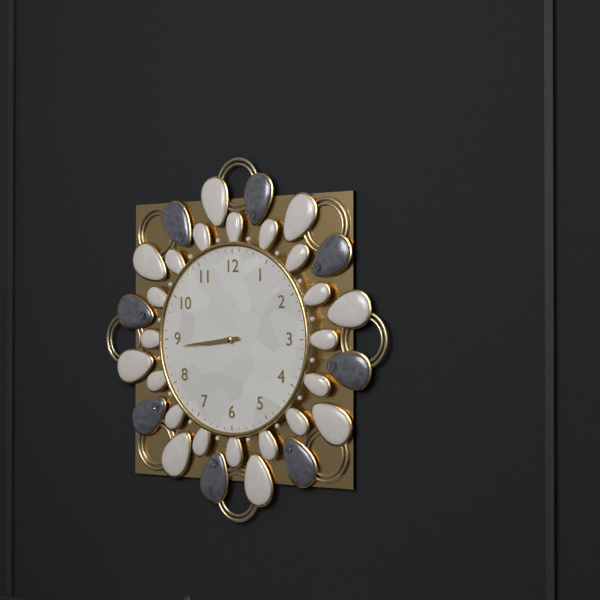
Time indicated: 8:44
